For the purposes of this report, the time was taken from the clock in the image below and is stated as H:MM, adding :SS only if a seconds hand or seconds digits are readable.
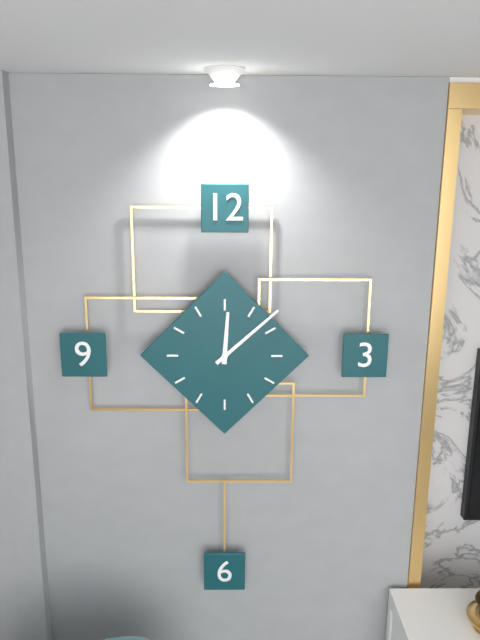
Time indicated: 12:08
